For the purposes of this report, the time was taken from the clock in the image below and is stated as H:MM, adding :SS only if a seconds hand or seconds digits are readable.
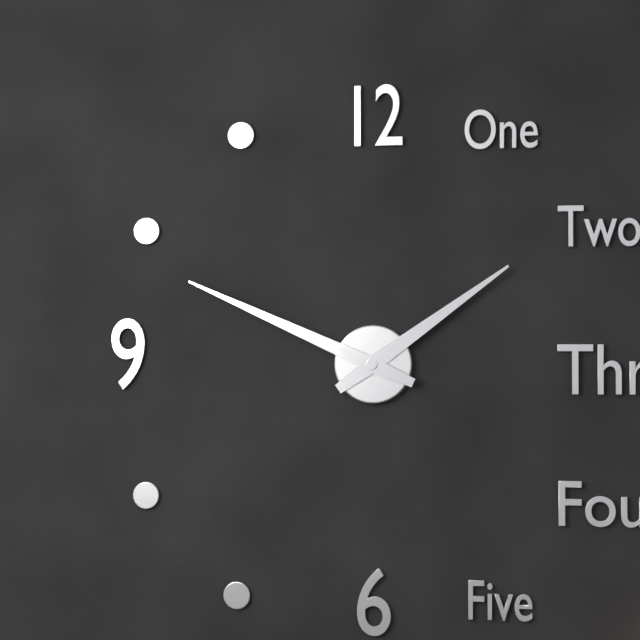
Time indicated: 1:49
